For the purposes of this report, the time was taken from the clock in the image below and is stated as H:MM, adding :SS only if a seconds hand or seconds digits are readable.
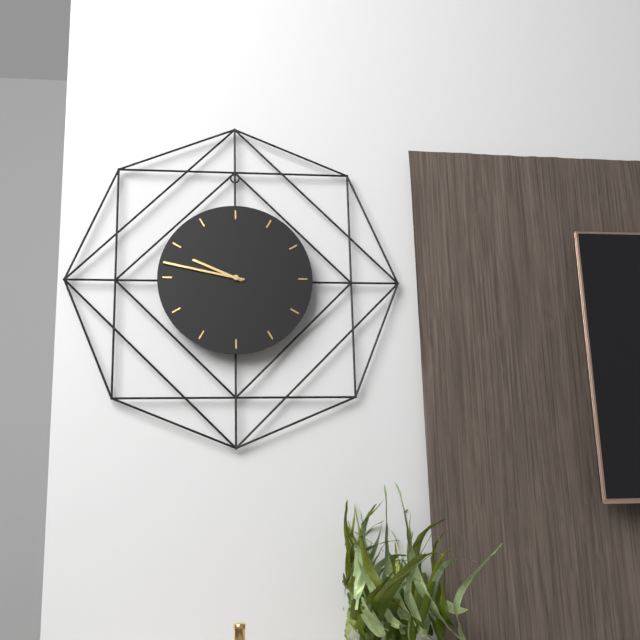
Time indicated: 9:47
